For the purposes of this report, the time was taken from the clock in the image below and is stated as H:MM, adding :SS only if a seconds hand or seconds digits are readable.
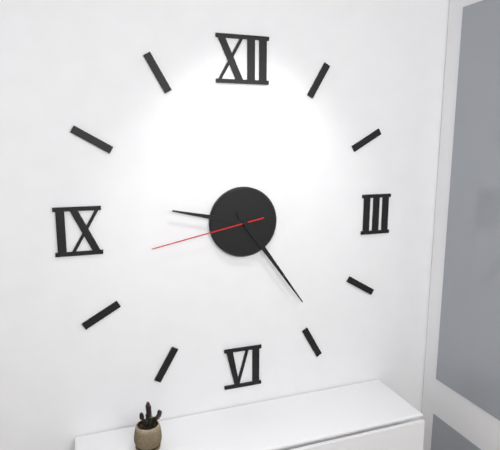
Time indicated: 9:24:43
